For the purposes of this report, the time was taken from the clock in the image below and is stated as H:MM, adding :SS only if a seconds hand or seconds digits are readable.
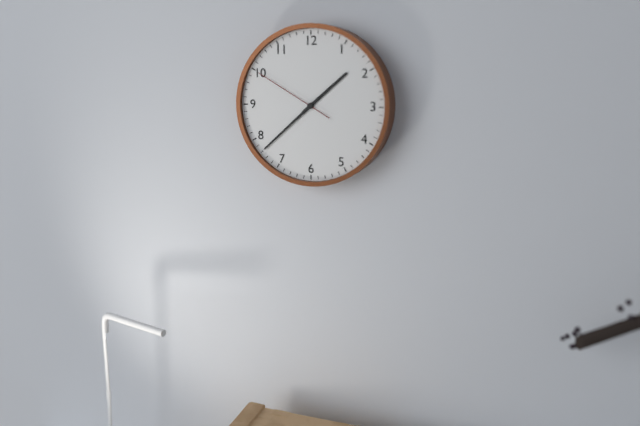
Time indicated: 1:38:50
